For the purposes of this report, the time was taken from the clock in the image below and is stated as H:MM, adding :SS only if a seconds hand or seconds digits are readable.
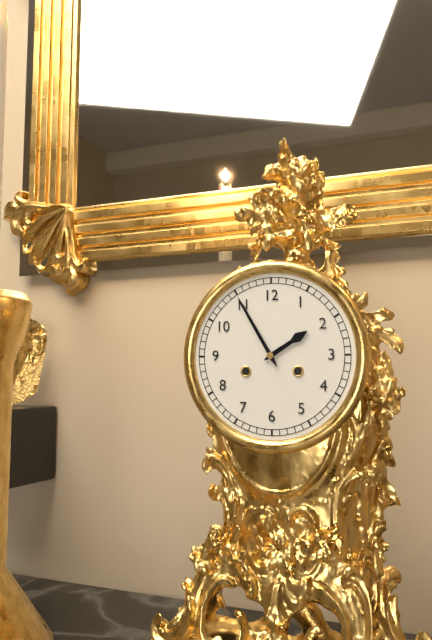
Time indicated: 1:55
